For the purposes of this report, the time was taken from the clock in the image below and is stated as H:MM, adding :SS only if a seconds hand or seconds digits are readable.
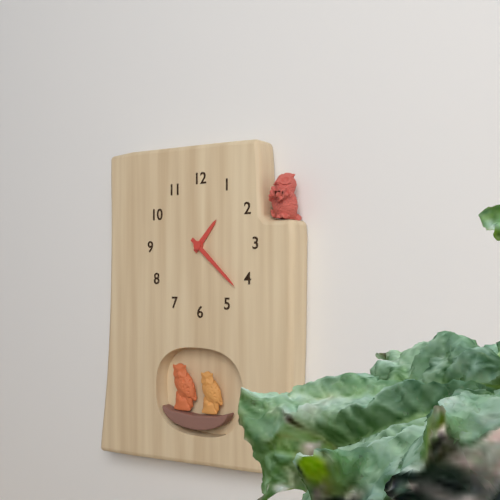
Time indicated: 1:22
